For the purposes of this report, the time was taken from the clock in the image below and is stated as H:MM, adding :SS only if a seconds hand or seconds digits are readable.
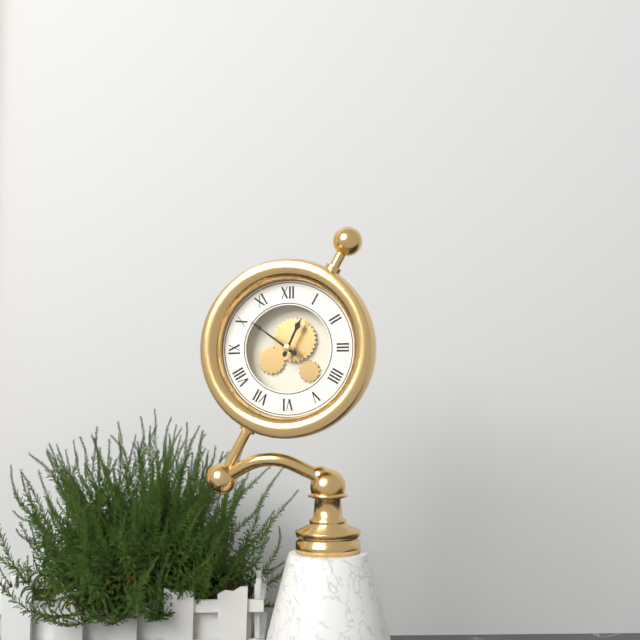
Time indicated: 12:51
